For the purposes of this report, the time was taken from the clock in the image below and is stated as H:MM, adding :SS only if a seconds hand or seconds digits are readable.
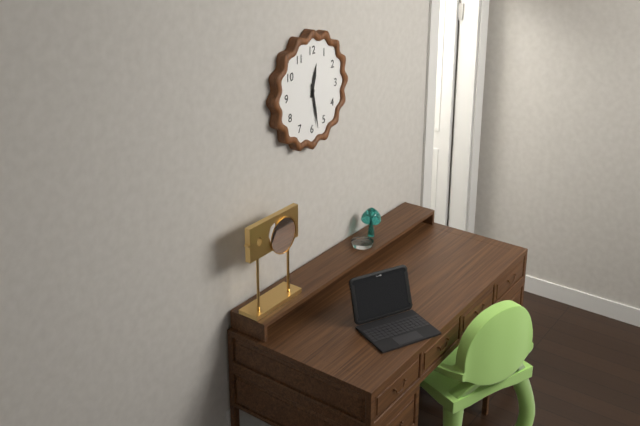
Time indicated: 12:28
